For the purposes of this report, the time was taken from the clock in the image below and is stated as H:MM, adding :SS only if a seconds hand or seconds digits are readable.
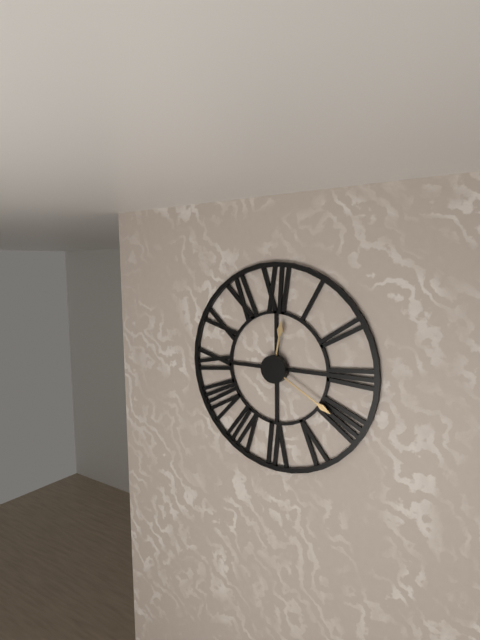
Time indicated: 12:20
